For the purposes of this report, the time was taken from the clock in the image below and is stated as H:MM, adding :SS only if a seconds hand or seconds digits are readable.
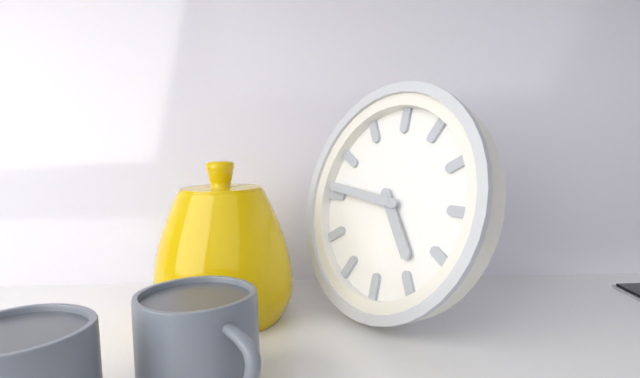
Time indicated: 4:46
